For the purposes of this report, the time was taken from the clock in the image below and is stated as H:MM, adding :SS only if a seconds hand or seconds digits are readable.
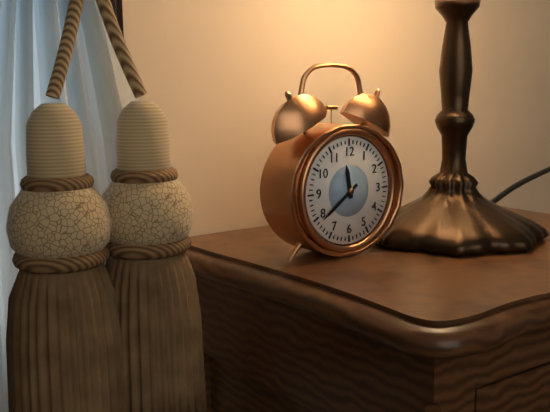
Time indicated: 11:39
